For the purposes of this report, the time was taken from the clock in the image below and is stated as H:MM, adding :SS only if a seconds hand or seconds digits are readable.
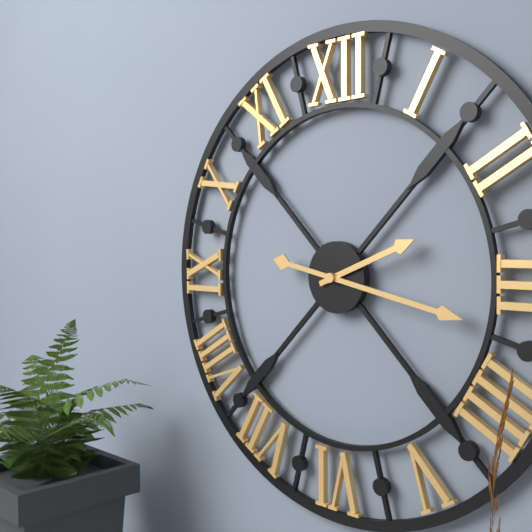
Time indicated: 2:17
